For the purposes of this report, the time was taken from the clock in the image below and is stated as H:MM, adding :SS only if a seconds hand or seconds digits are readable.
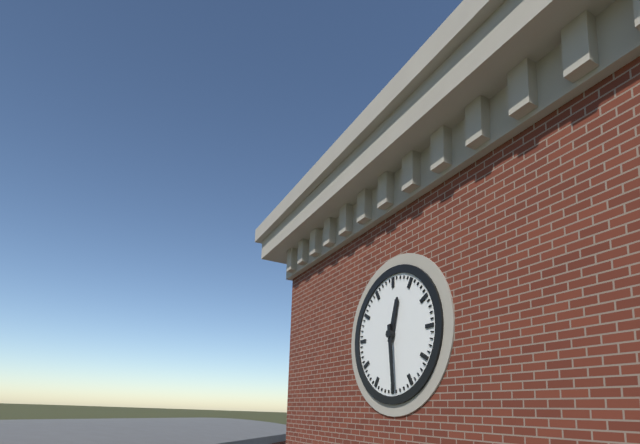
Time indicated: 12:29
